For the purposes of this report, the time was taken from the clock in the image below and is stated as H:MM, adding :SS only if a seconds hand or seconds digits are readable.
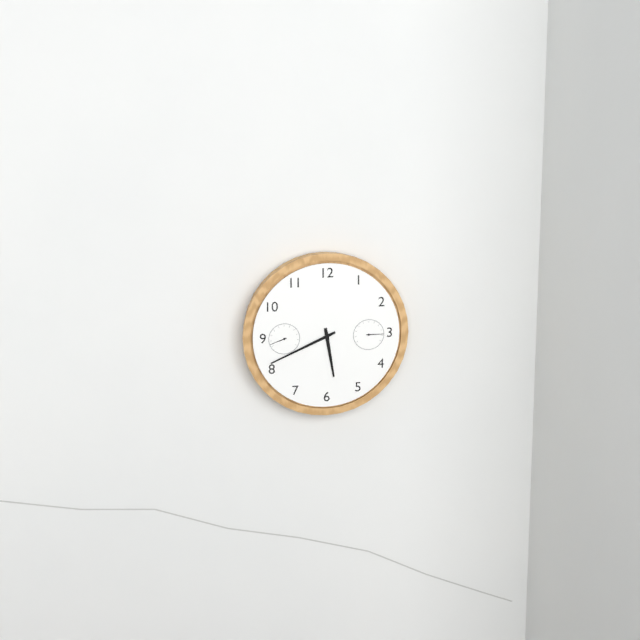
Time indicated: 5:41
